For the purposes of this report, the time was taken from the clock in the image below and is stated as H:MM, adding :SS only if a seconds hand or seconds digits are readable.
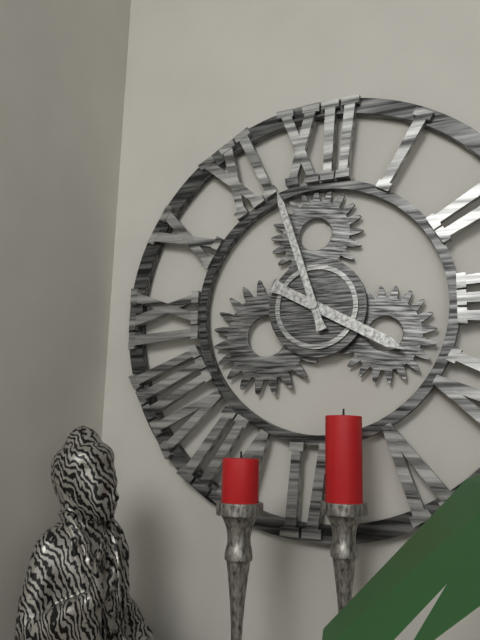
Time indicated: 3:57
